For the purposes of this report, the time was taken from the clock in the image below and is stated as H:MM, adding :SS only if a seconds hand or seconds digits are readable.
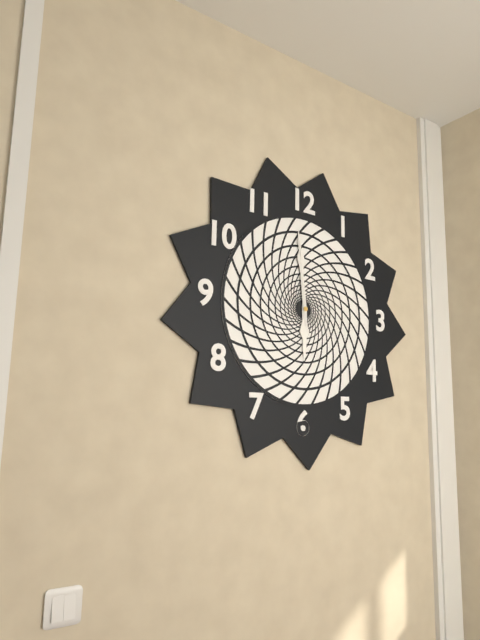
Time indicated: 5:59:59
